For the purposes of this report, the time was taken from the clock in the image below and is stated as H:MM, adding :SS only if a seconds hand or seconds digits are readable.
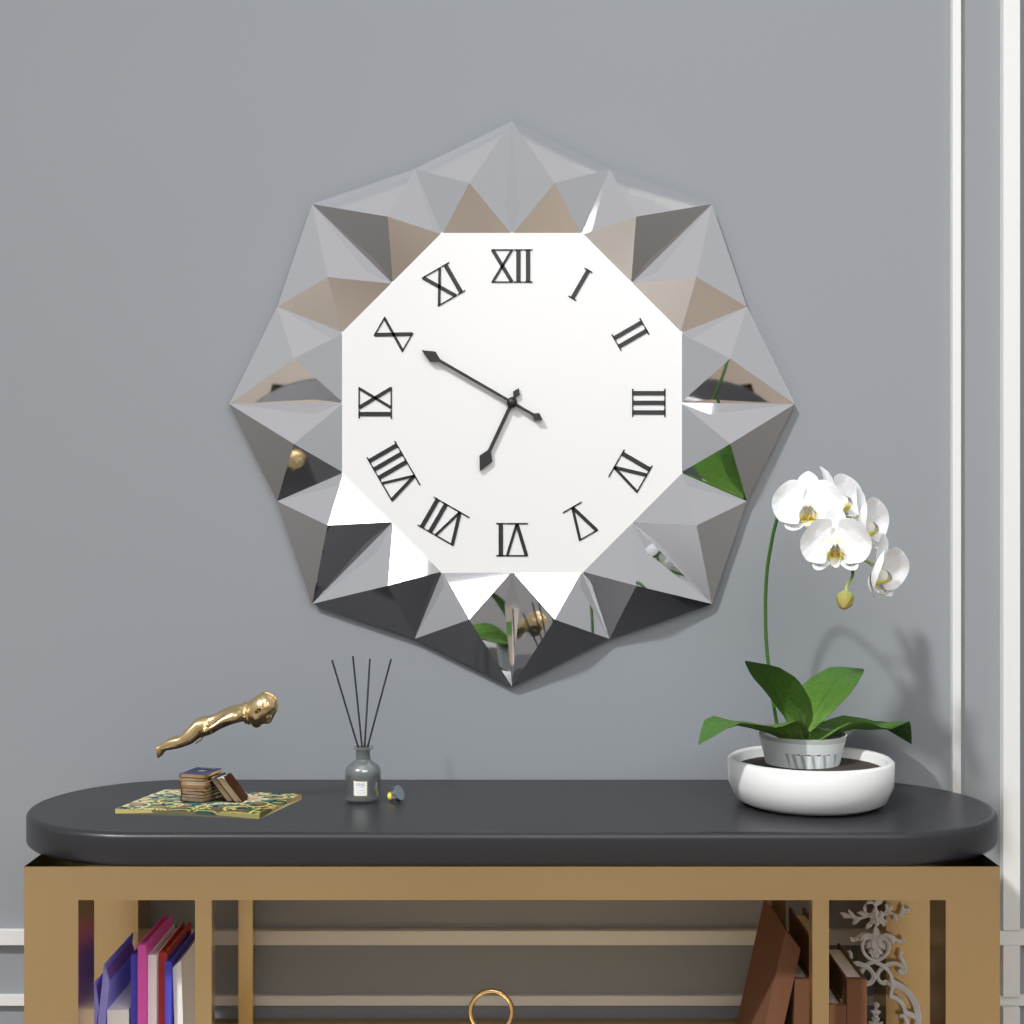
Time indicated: 6:50
